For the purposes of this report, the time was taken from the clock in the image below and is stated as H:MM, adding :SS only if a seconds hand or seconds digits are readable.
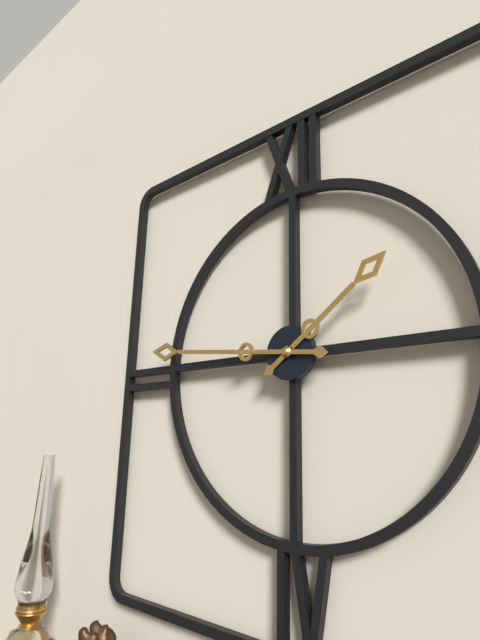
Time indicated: 1:46
